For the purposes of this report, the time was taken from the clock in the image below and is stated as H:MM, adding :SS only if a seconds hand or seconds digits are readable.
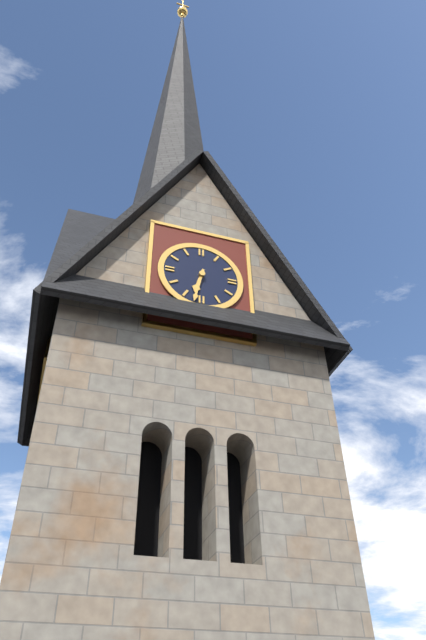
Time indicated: 6:32
